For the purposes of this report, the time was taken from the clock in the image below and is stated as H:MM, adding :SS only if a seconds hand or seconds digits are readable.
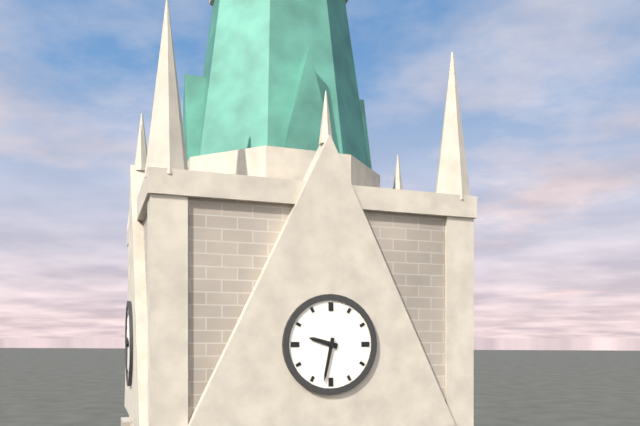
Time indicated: 9:32
